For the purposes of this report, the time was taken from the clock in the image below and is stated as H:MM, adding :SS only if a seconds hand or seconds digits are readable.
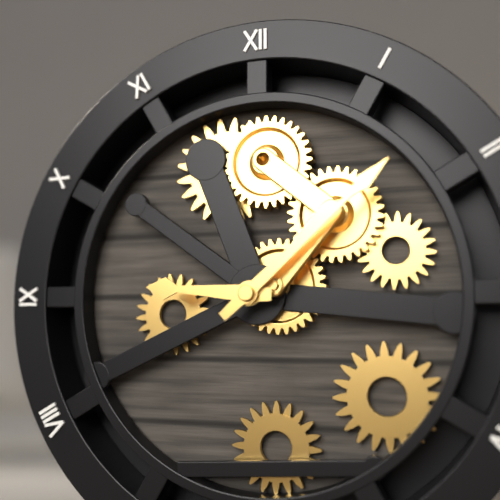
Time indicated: 9:08
